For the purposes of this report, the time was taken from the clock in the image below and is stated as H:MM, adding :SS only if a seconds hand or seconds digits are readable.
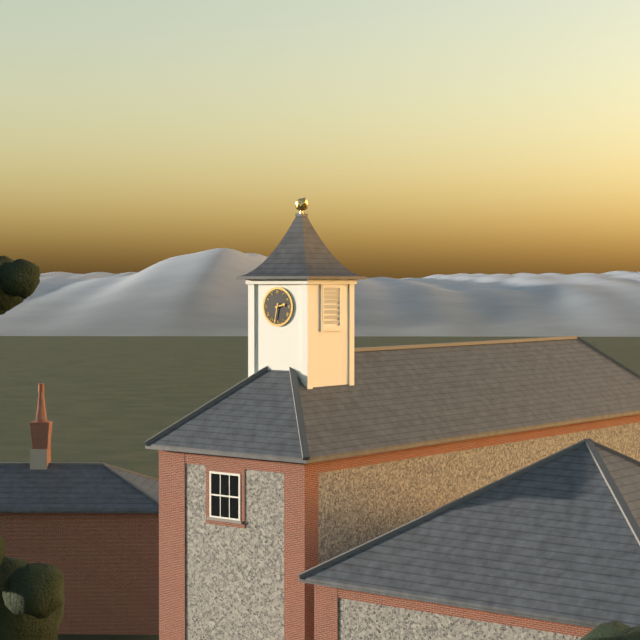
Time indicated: 2:32
